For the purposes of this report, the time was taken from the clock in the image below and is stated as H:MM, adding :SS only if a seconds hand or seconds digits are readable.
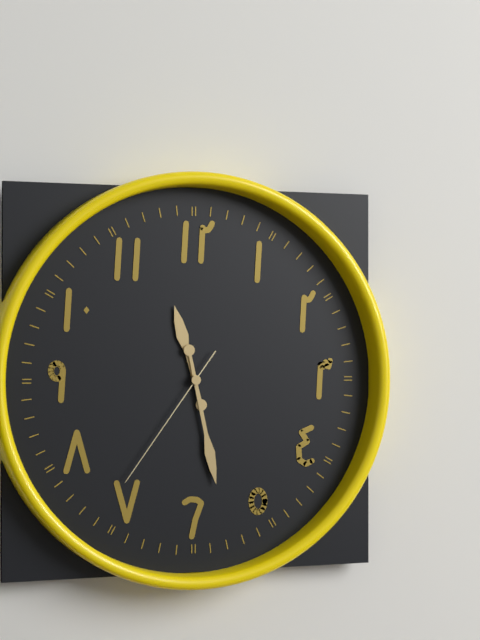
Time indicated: 11:28:36
